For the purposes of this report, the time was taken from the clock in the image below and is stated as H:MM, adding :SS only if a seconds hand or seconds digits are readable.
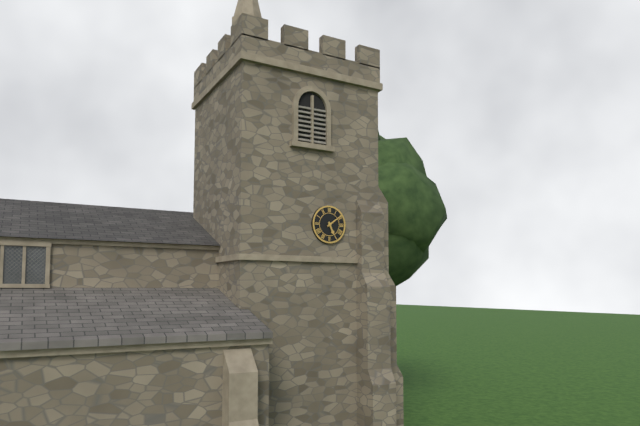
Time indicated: 5:09
